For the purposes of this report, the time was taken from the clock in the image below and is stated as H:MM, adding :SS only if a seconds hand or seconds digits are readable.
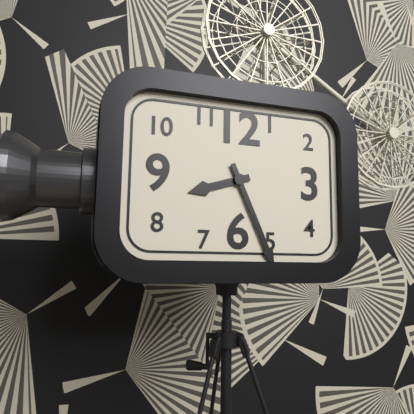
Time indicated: 8:26
